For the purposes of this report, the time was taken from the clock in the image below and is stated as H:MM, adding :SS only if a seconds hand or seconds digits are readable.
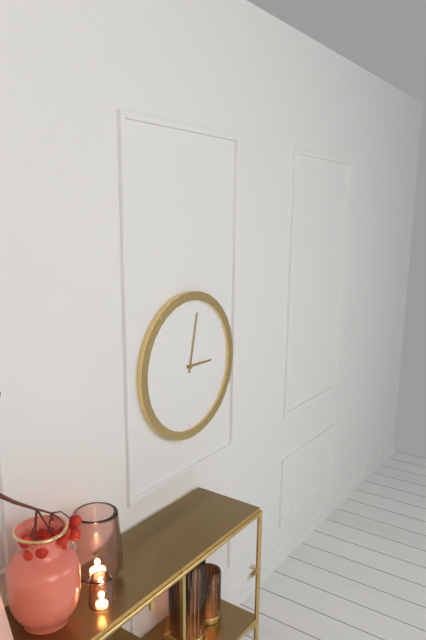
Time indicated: 3:02
